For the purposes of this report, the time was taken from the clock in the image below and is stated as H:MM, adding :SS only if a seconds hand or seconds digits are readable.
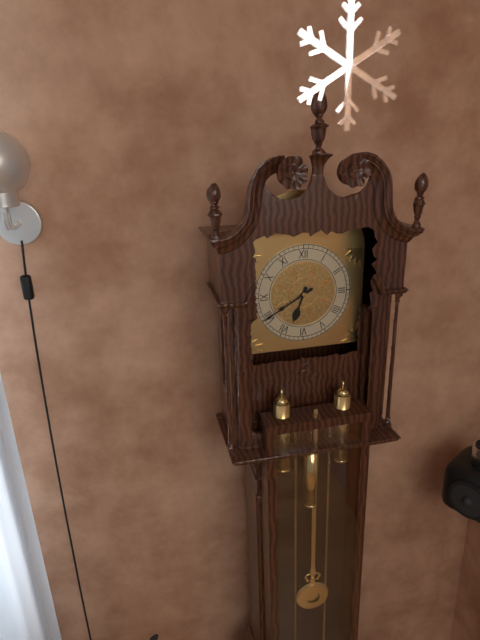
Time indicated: 6:40
